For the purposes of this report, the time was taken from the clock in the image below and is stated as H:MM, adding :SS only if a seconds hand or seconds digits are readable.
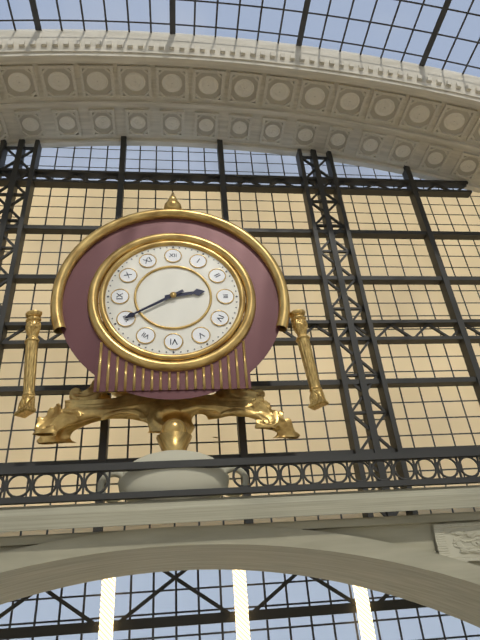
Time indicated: 2:40
